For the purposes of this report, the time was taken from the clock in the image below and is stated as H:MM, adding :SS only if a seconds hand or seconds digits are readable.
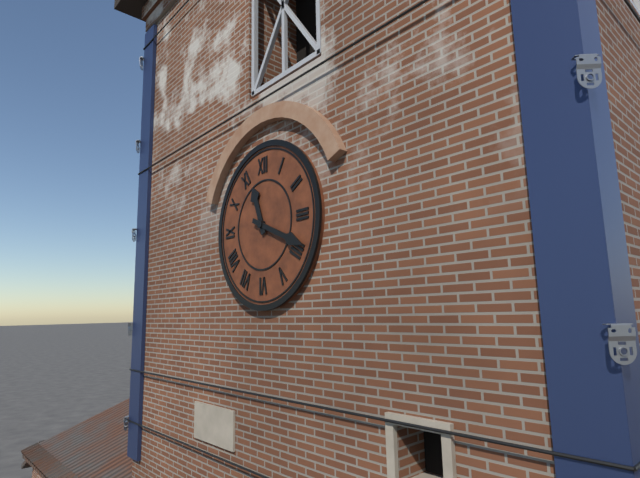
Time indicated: 11:19
